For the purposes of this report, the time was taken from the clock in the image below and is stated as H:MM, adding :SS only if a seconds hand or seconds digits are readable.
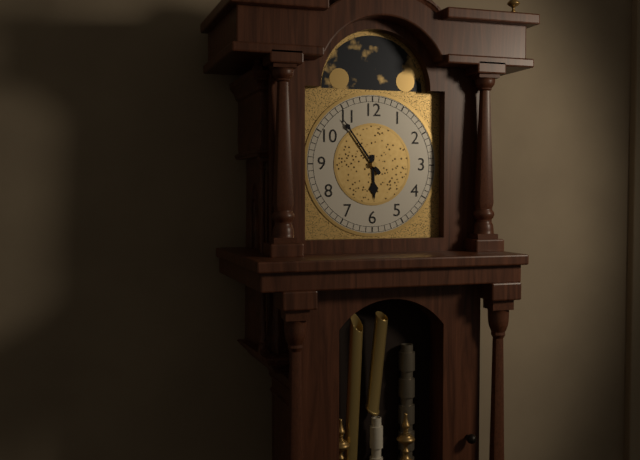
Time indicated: 5:54
